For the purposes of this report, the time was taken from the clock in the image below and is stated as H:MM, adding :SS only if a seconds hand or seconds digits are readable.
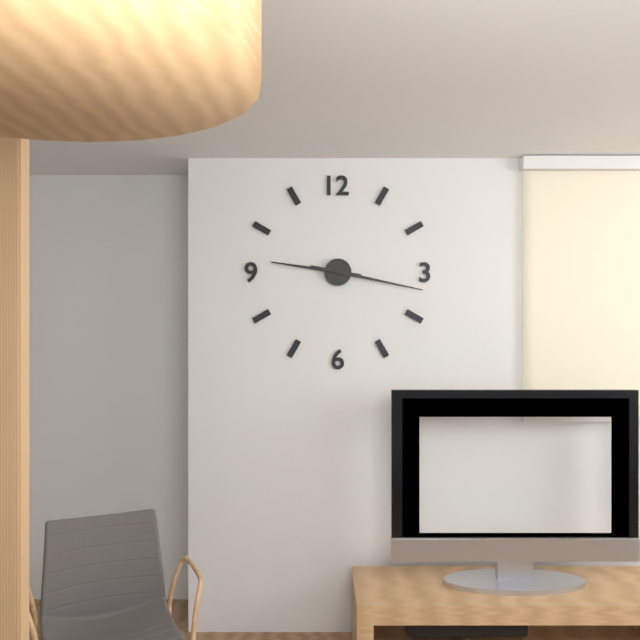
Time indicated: 9:17
